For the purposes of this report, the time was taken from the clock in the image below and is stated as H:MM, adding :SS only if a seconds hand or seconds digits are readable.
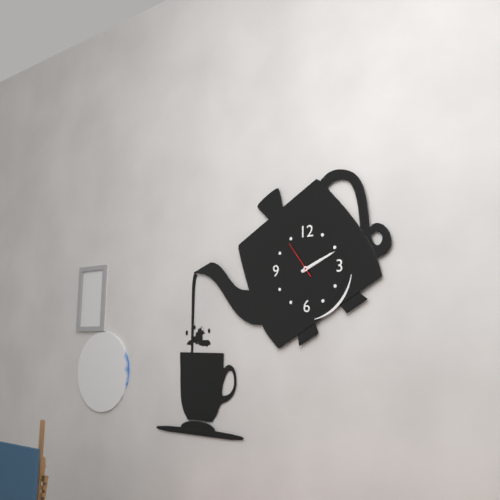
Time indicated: 2:11
